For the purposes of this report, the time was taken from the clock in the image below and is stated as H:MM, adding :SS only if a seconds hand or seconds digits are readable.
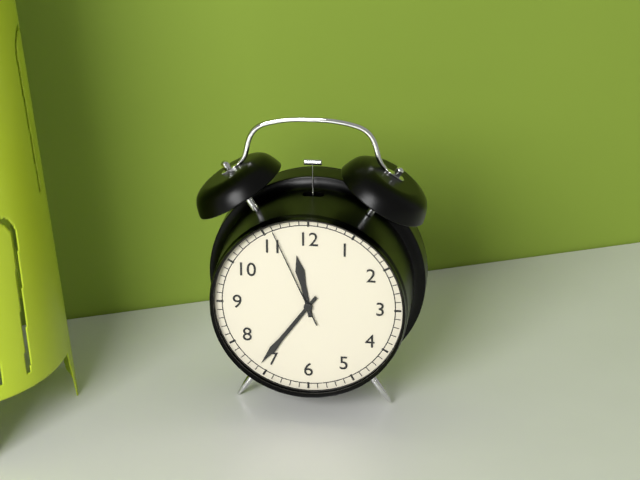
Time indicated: 11:36:56
